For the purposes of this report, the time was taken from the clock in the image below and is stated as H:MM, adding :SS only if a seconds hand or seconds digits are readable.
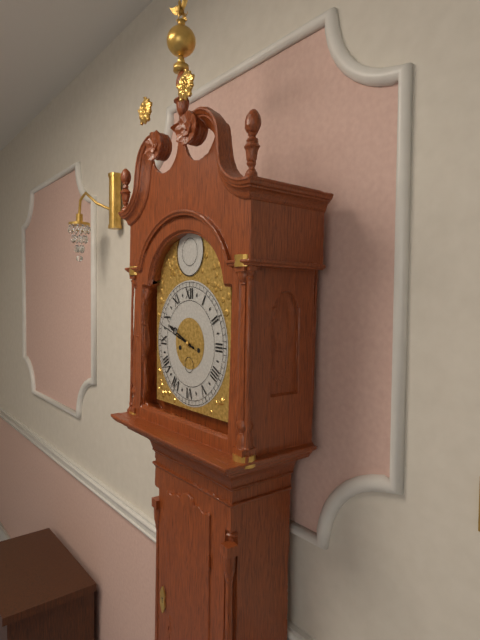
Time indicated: 9:48
